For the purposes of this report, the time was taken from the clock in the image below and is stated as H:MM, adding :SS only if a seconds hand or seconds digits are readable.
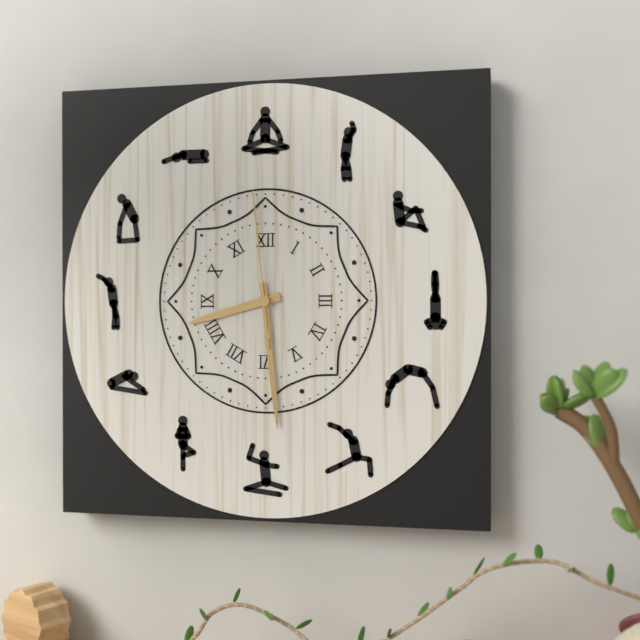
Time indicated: 8:29:59
